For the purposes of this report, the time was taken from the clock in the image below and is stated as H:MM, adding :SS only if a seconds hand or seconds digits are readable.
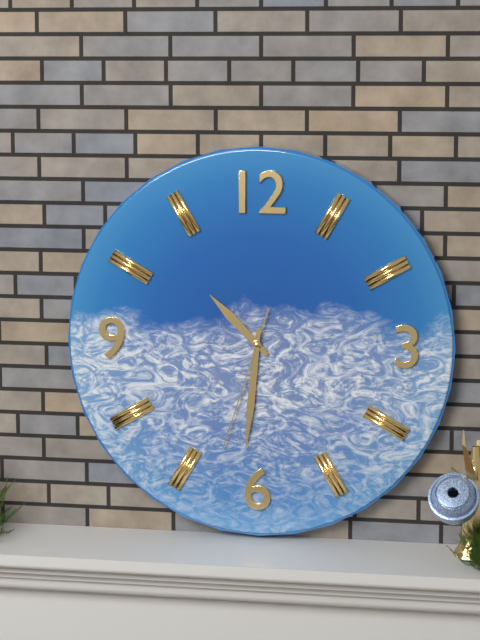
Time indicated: 10:31:33
